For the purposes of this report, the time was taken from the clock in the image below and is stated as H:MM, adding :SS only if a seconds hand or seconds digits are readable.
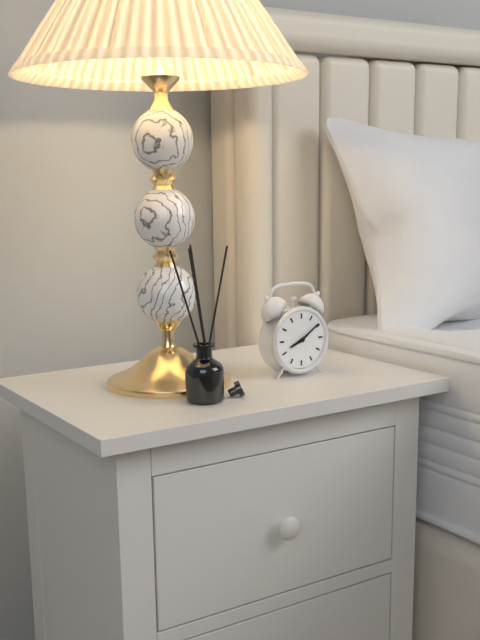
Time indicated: 8:09
